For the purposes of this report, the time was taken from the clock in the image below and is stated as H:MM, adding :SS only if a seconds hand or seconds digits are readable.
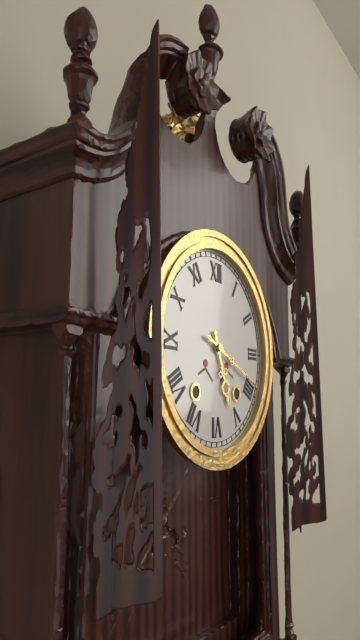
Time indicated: 5:19
